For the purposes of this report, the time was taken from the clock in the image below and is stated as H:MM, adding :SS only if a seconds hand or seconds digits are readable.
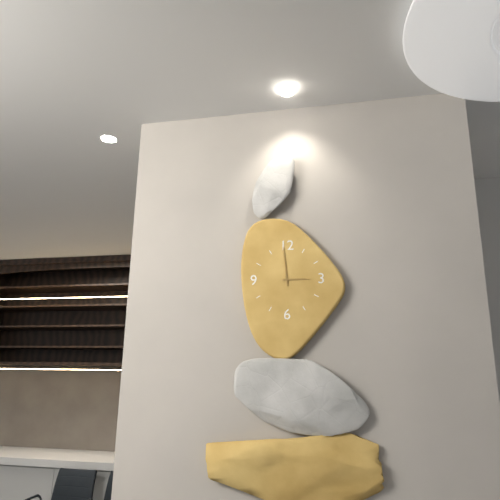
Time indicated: 2:59
